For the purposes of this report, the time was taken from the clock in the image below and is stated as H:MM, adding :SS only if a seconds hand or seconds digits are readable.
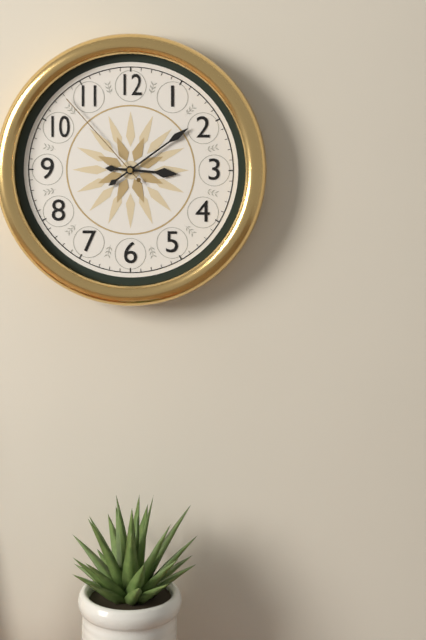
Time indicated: 3:09:53
